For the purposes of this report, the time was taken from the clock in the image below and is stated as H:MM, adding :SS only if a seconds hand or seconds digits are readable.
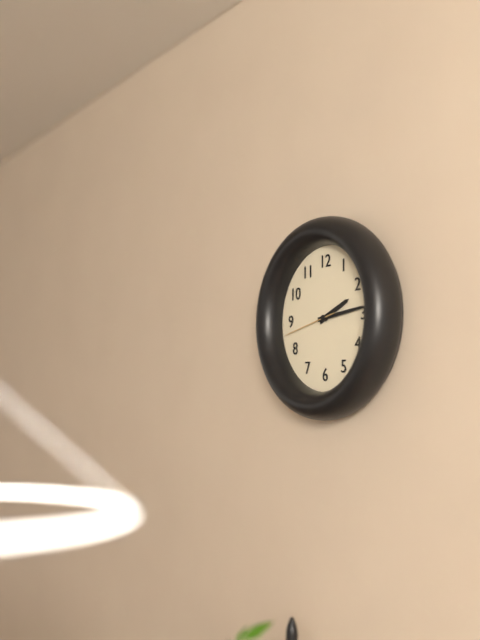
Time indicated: 2:14:43
